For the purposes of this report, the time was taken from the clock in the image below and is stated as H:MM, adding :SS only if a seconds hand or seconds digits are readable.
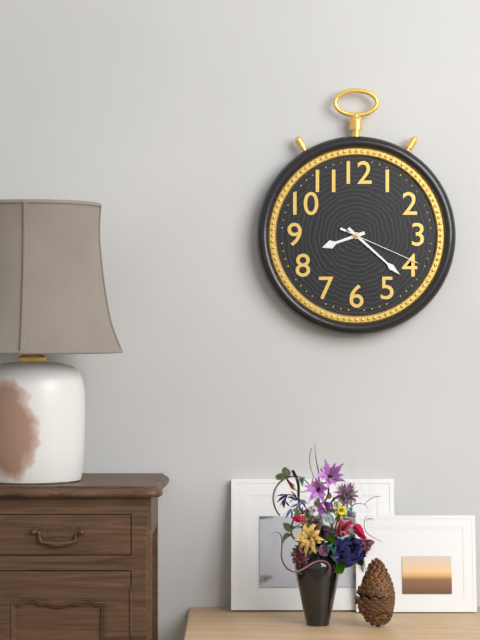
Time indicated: 8:22:19
